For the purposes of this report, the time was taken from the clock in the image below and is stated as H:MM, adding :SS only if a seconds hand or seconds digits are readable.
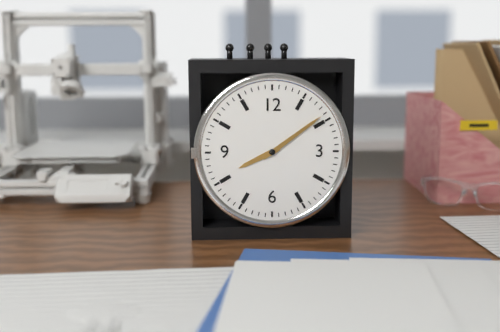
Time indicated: 8:09
